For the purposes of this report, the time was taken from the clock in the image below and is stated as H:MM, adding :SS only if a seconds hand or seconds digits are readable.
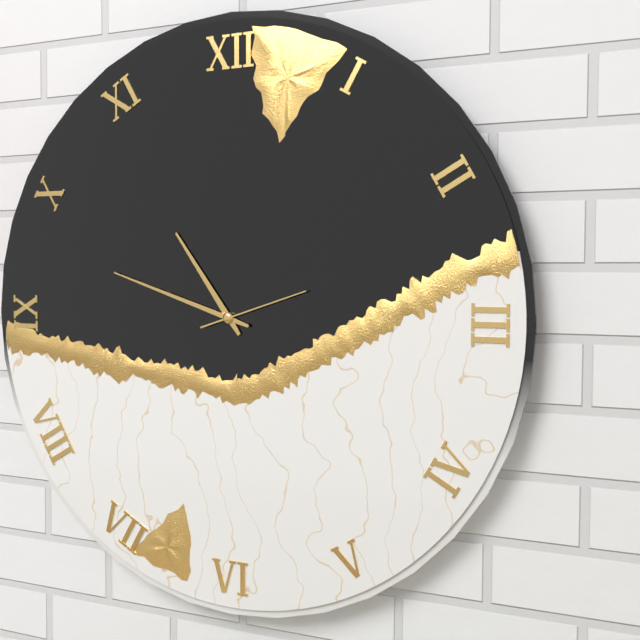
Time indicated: 10:48:12
